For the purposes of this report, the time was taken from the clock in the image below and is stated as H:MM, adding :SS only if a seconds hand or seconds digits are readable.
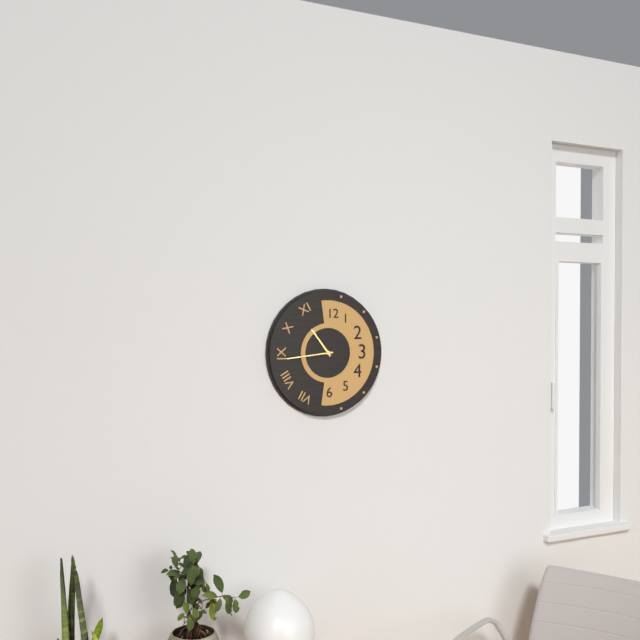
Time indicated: 10:44
